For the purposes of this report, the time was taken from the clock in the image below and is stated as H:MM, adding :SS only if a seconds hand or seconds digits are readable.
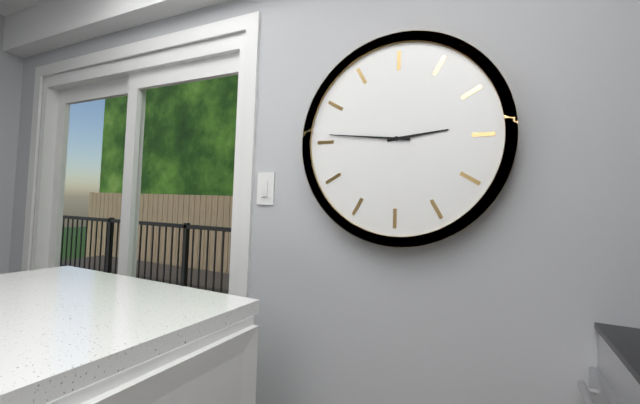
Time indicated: 2:46
